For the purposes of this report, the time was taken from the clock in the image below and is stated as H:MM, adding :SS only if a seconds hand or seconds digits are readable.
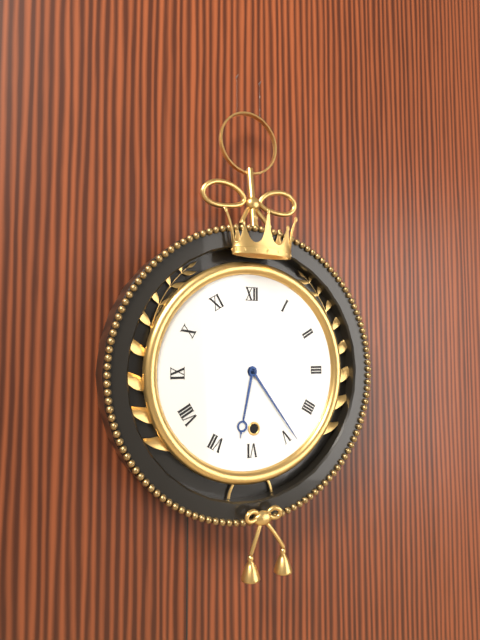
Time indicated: 6:24
